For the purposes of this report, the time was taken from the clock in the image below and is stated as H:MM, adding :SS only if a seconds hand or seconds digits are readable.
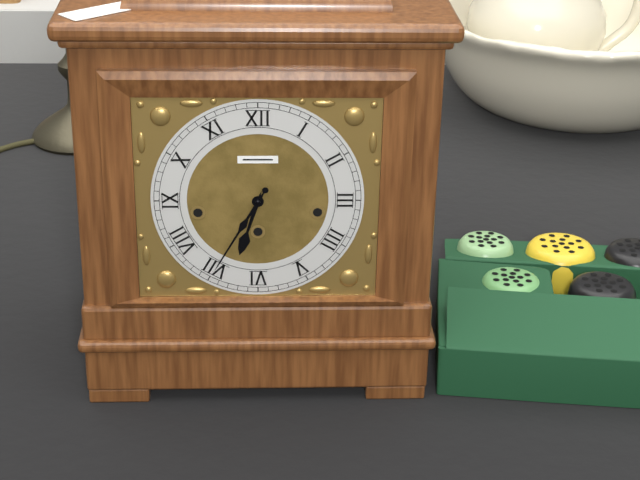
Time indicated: 6:35
